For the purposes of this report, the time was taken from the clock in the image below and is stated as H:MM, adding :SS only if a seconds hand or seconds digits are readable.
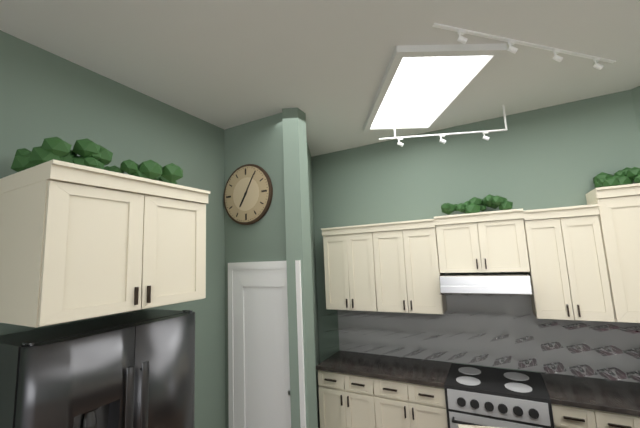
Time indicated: 7:05
